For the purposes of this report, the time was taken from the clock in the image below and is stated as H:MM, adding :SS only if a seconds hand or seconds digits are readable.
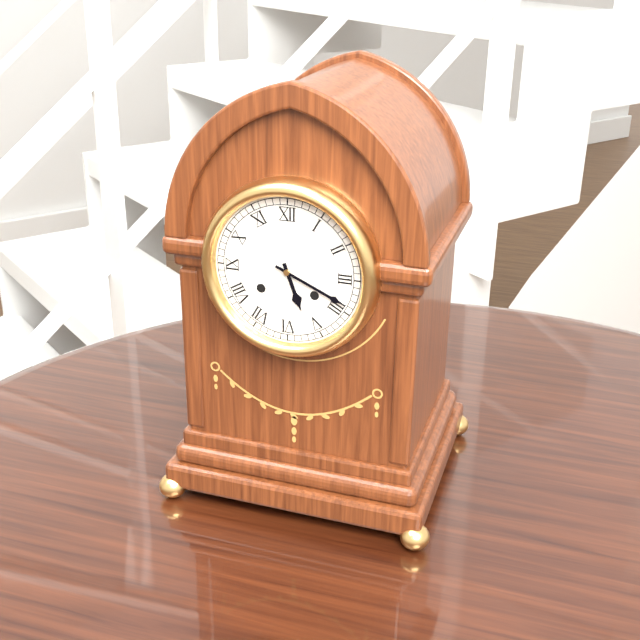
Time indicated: 5:19
